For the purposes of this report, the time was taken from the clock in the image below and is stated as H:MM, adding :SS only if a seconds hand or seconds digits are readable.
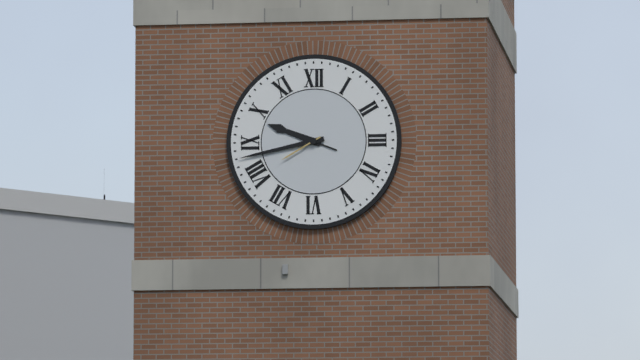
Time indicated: 9:43
